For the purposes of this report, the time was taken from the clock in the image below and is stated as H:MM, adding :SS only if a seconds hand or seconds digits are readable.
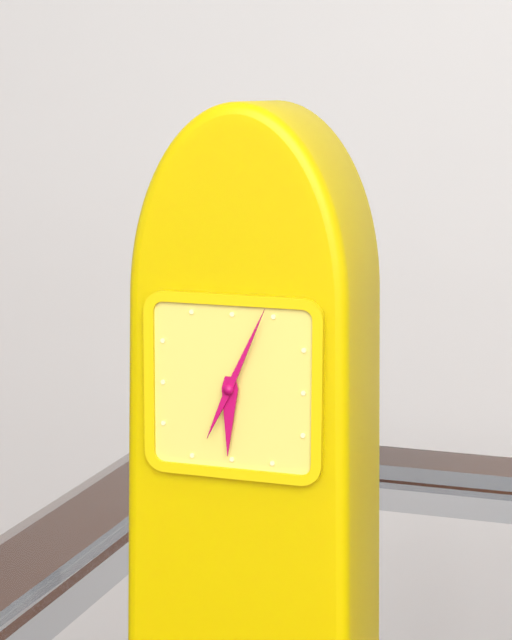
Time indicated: 6:04
